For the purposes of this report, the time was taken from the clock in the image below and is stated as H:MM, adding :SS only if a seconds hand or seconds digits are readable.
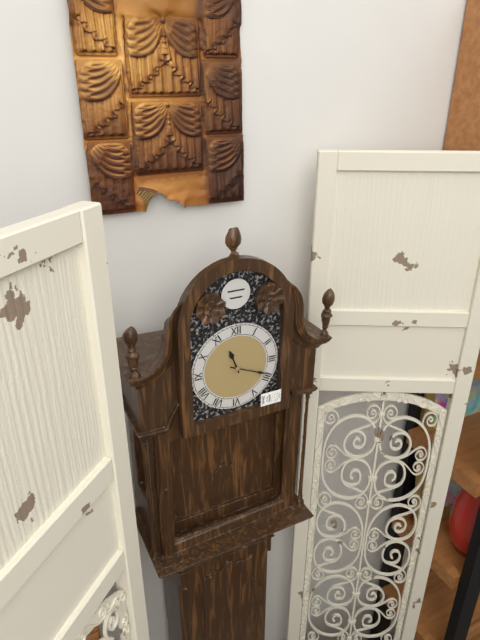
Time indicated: 11:19
